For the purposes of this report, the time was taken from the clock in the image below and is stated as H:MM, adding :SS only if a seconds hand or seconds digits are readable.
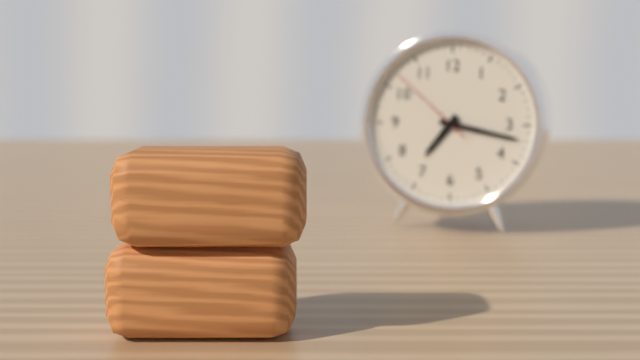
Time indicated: 7:17:52
